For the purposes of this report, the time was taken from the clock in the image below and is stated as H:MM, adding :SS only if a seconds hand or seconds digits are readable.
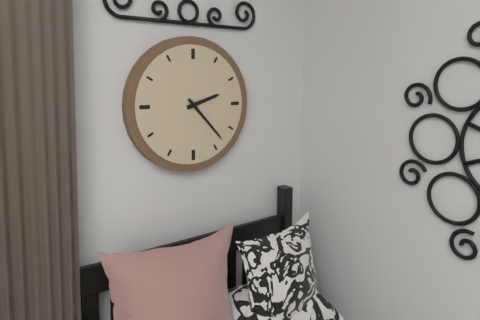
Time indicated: 2:23
